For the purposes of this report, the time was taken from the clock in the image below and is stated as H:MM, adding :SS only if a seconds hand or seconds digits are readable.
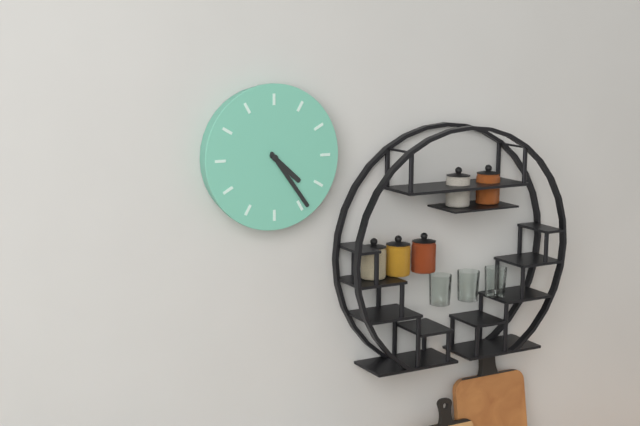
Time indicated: 4:24
